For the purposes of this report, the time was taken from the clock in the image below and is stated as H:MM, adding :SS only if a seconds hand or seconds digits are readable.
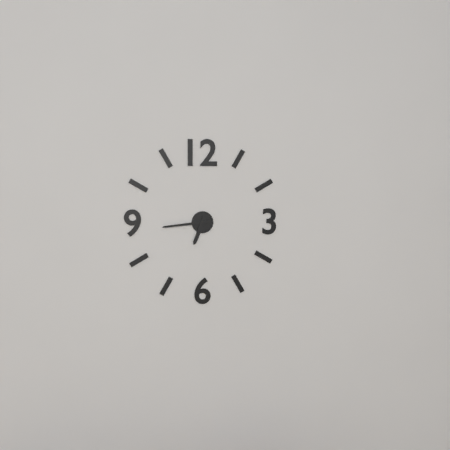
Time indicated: 6:44
